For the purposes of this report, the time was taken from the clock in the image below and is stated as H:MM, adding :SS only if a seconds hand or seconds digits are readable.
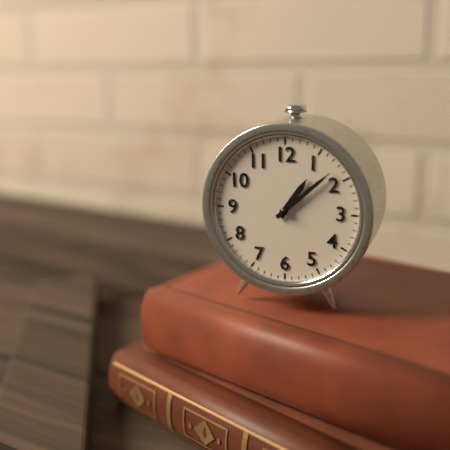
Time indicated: 1:08
